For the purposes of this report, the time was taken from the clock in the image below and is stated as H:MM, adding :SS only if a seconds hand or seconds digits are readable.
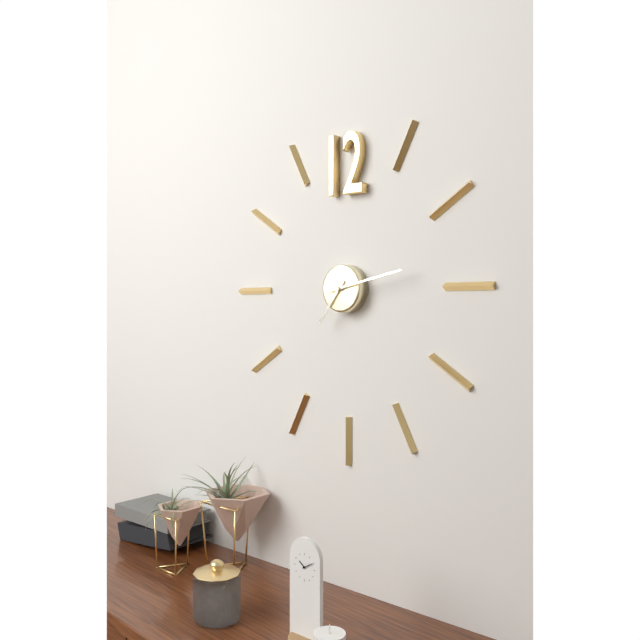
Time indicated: 7:13
